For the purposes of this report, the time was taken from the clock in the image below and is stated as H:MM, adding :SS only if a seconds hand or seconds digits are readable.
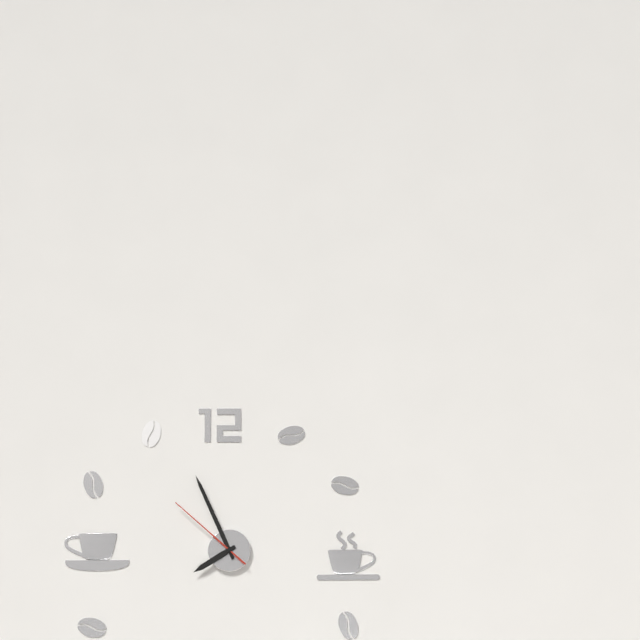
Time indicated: 7:56:52
